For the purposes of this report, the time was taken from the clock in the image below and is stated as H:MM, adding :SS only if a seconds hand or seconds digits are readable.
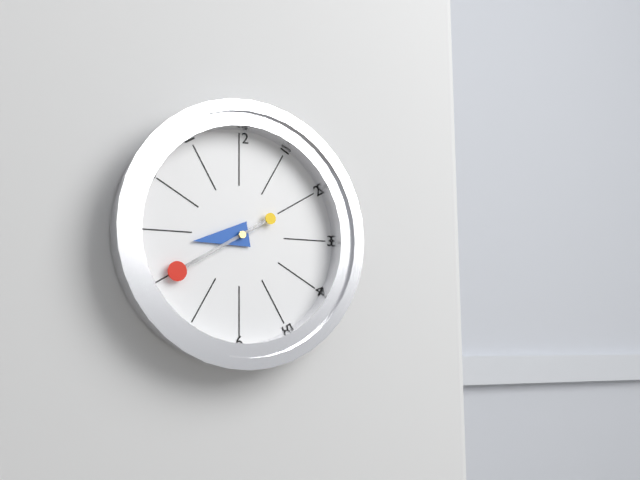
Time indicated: 8:40
